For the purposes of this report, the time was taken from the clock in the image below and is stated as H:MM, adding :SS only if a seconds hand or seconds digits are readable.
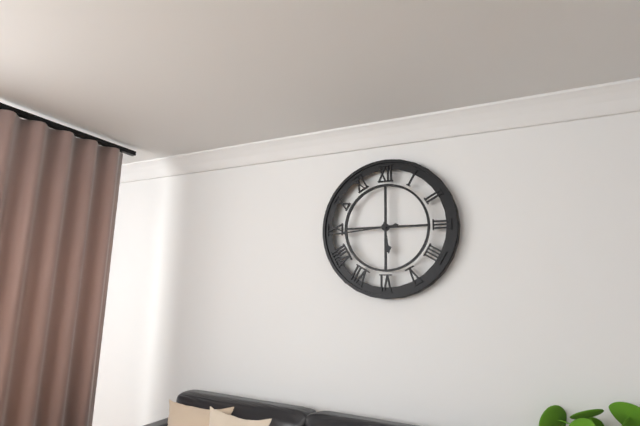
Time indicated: 5:44
